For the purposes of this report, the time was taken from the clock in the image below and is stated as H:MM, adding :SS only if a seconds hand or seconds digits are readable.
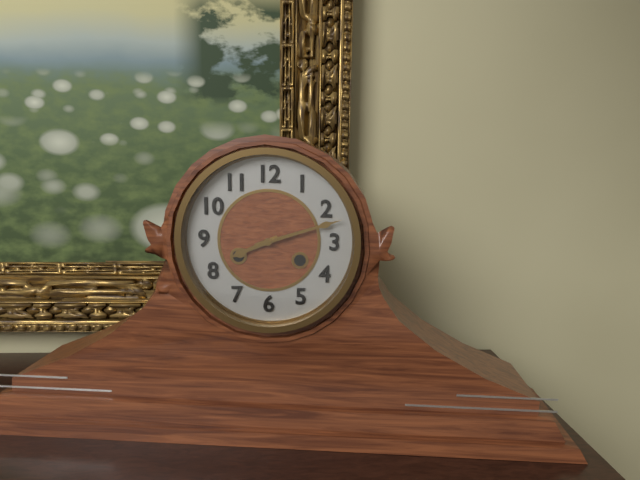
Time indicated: 8:12
